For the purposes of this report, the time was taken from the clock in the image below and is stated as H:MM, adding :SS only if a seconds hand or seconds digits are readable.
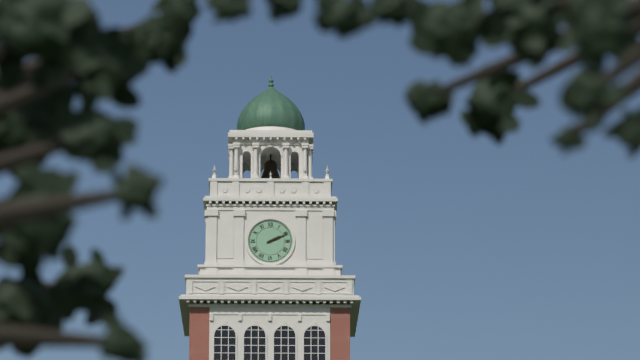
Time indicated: 2:11
